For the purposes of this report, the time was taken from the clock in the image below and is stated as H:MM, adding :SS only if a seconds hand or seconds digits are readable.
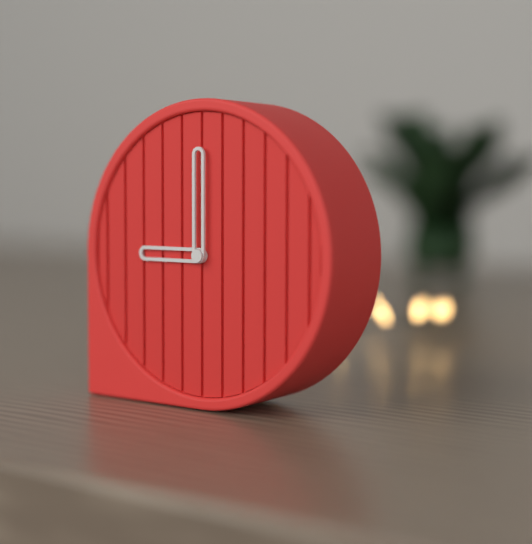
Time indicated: 9:00
